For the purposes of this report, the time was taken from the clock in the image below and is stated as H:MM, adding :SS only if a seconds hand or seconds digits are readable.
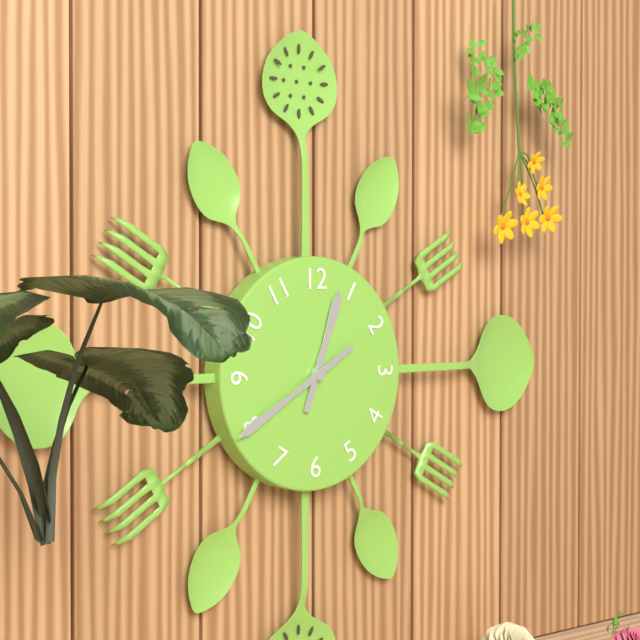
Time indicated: 12:40
